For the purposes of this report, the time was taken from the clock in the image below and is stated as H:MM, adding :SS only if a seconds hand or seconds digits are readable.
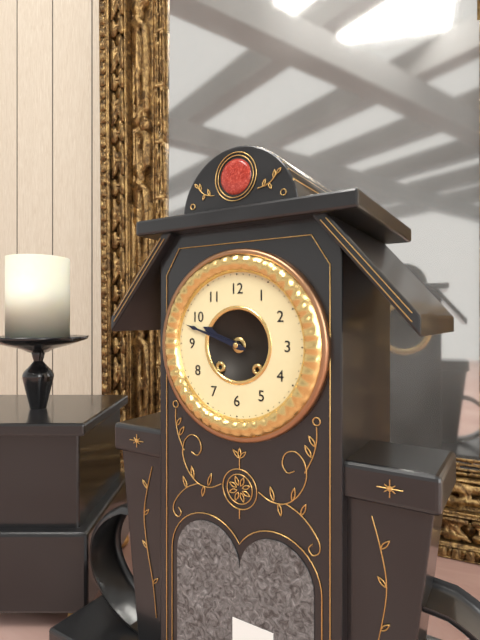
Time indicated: 9:48
